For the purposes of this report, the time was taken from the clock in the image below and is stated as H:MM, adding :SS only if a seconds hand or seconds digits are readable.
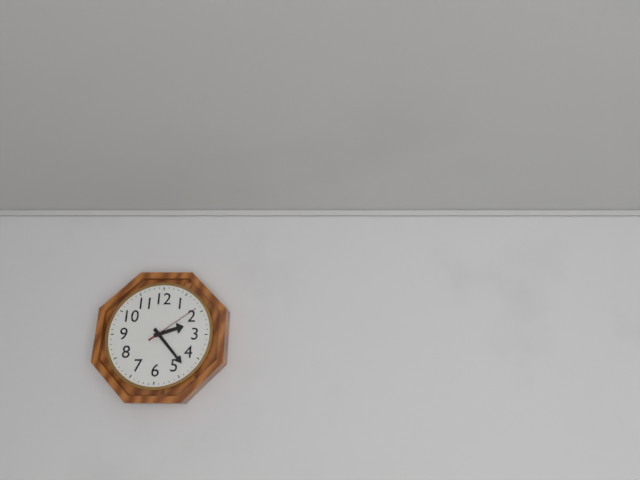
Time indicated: 2:23:09
